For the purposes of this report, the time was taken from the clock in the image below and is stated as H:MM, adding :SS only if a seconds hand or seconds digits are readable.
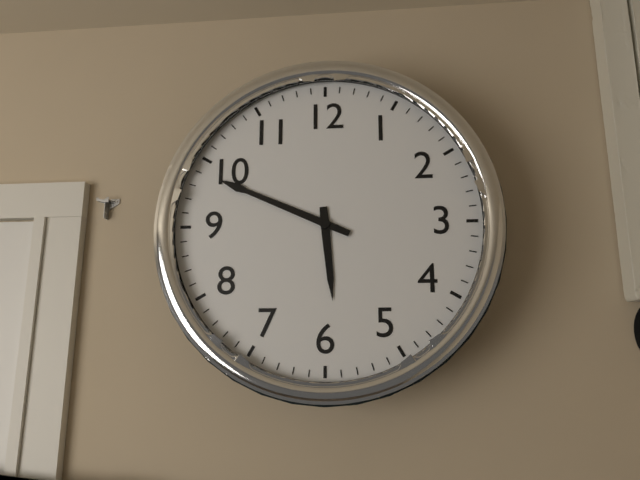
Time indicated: 5:49
